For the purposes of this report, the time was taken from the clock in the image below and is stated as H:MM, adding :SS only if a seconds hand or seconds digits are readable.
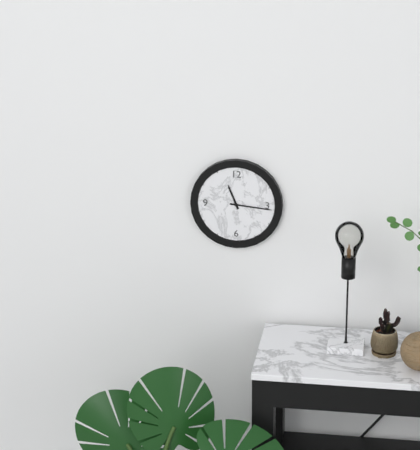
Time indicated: 11:16
